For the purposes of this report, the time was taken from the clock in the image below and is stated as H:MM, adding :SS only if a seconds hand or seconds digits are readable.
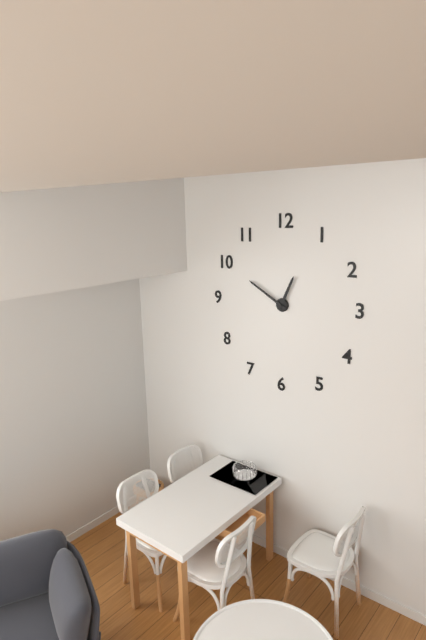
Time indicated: 12:50
